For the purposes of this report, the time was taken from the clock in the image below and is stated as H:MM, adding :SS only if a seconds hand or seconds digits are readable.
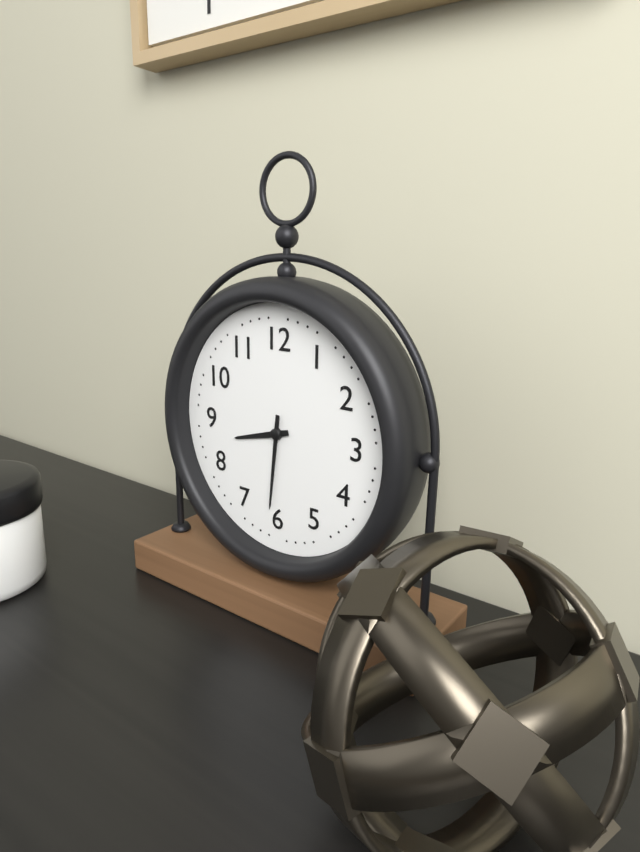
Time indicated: 8:31
